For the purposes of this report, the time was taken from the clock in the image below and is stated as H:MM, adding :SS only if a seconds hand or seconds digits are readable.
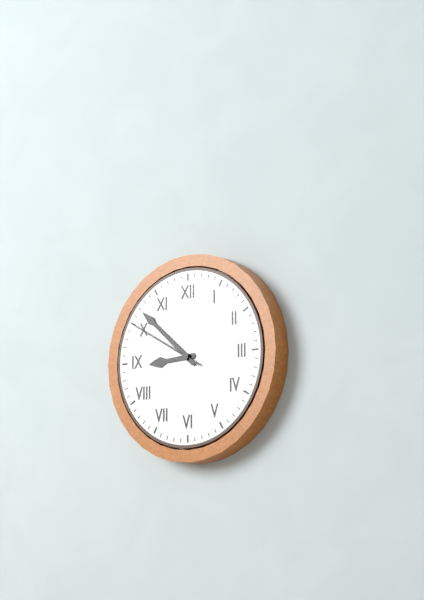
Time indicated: 8:52:50
